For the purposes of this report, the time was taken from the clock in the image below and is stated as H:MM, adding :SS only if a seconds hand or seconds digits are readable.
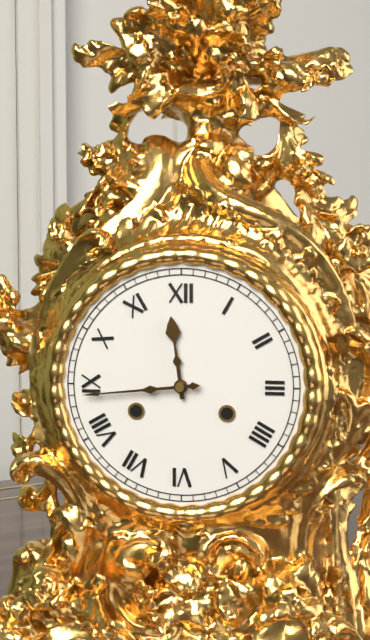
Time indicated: 11:44
